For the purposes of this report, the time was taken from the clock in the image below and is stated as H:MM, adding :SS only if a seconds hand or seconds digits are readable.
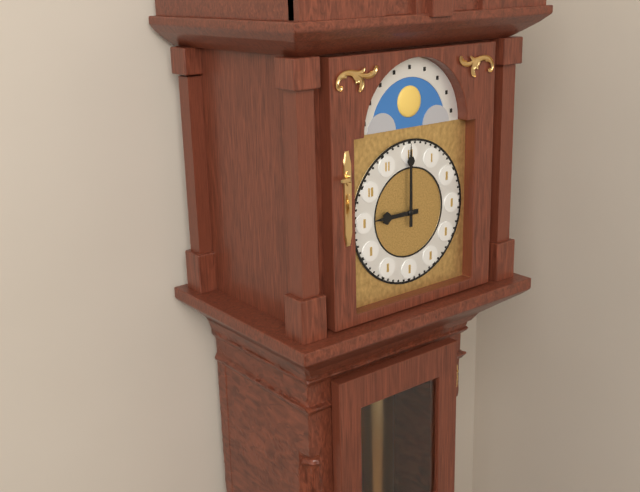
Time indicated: 9:00
